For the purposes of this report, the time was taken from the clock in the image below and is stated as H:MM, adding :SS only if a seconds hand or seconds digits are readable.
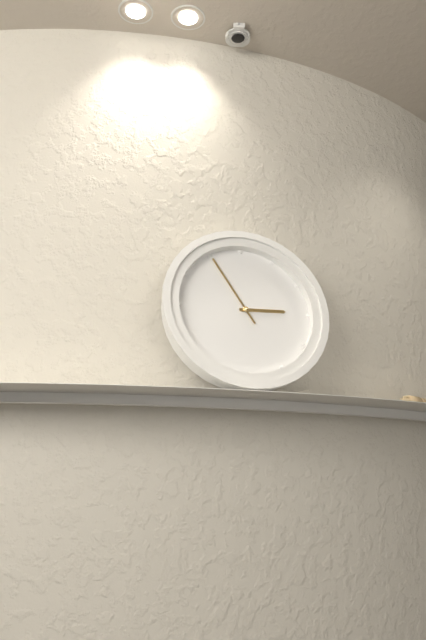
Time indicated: 2:55
